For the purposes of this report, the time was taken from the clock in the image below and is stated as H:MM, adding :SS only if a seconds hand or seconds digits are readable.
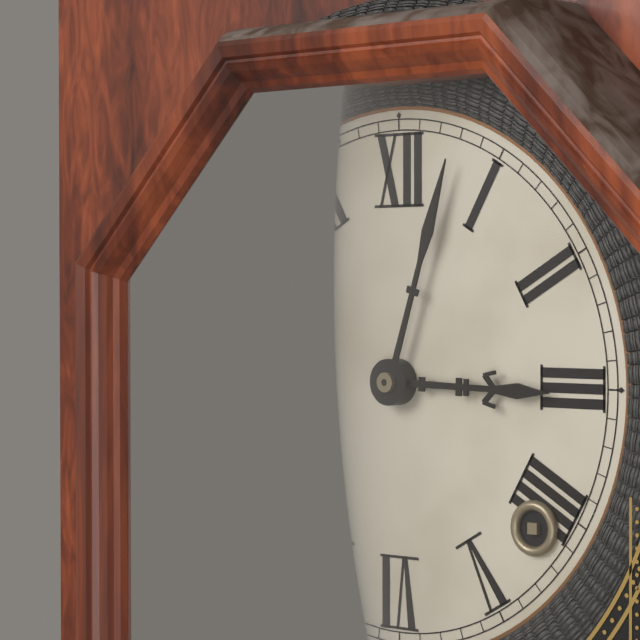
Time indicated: 3:03
